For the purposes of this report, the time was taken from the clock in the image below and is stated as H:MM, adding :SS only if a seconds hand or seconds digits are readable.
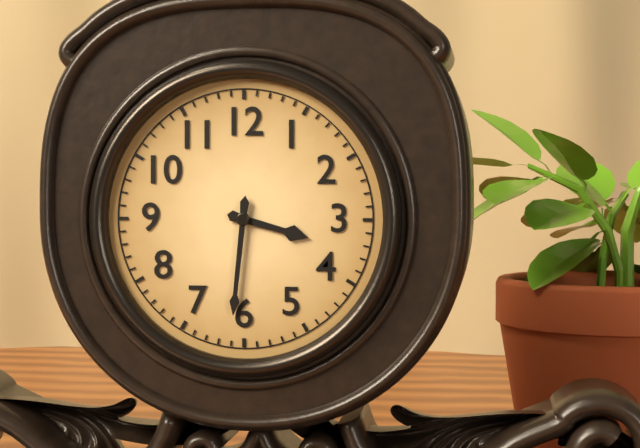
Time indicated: 3:31
